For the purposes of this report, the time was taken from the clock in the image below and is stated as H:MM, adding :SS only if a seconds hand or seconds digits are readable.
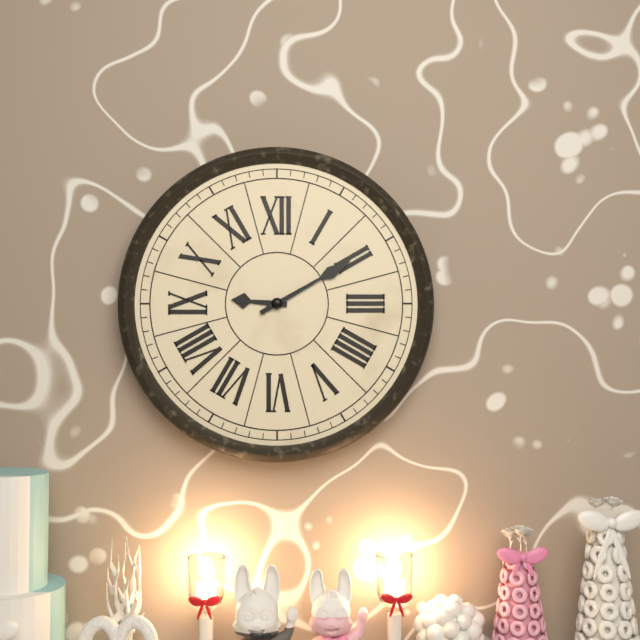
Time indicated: 9:10
